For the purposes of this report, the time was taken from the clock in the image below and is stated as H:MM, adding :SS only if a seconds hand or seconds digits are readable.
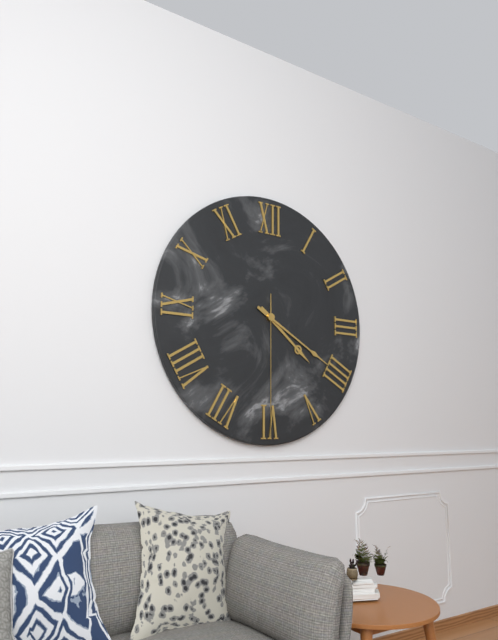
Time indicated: 4:20:30
